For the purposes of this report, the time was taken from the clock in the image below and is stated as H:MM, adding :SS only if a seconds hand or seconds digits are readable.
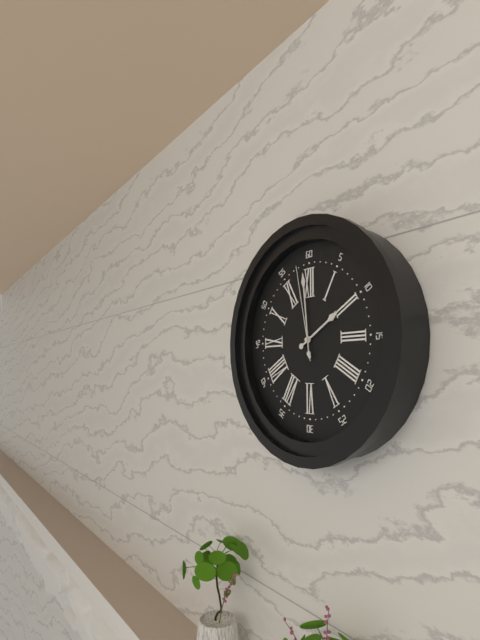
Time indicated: 1:59:58
